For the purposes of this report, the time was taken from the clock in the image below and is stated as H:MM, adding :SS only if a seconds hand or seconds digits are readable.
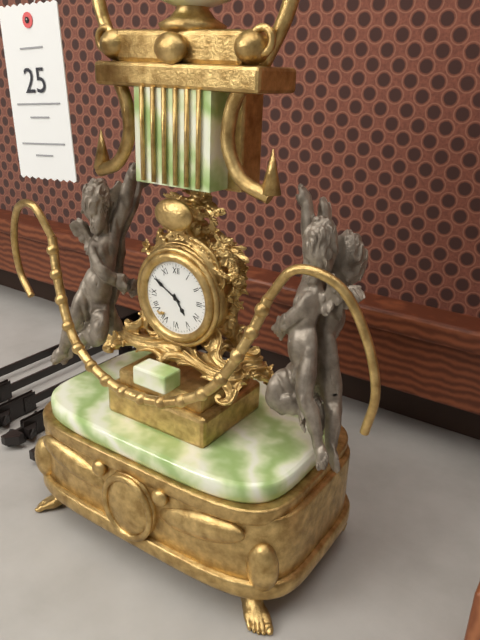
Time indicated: 4:50
